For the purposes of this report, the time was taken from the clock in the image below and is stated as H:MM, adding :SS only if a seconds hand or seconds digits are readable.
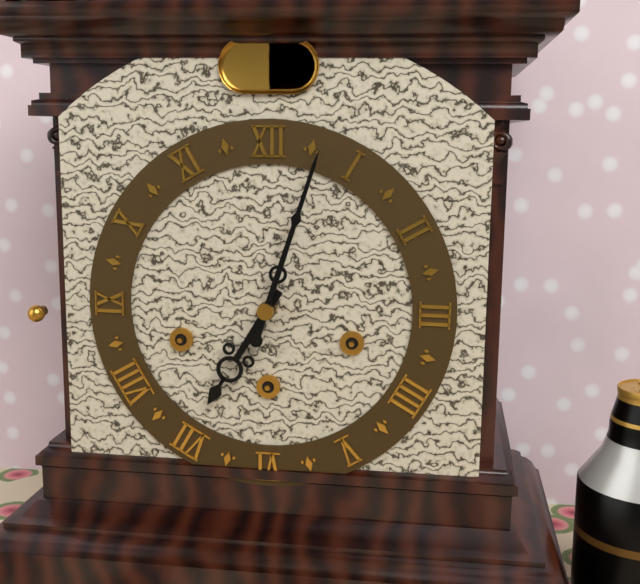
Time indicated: 7:03
